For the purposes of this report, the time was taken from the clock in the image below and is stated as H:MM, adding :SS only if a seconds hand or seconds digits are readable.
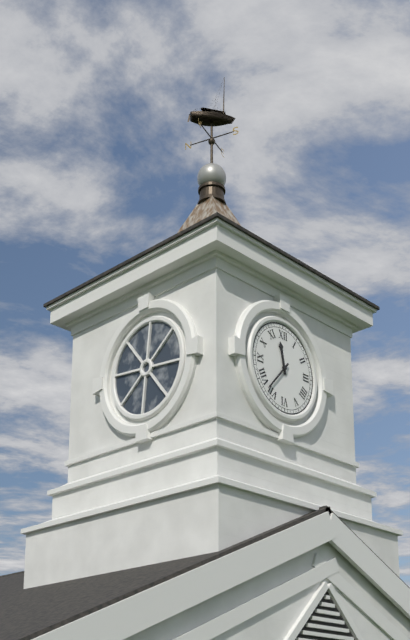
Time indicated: 11:37
